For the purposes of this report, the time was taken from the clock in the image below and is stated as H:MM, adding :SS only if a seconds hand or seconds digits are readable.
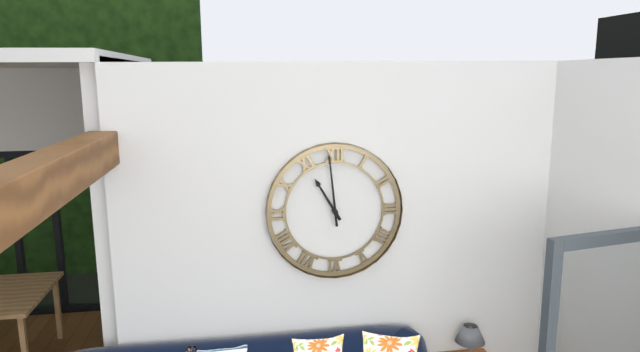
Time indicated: 10:59
